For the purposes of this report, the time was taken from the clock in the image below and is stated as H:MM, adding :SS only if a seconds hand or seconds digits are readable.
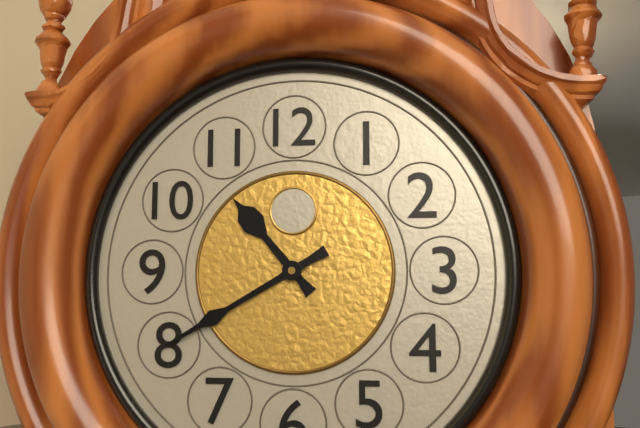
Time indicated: 10:40
